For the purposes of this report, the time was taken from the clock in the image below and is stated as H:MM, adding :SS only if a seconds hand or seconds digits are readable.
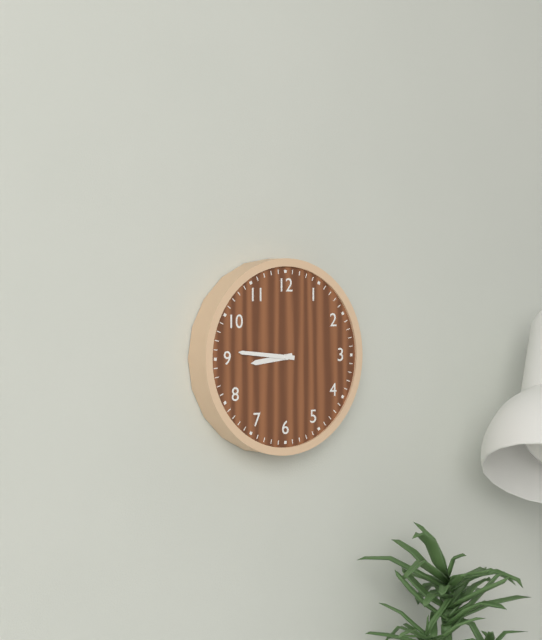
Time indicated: 8:46
